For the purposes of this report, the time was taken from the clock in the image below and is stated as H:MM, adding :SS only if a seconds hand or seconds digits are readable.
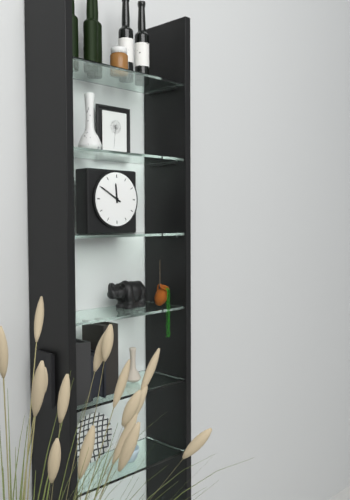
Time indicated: 11:50
